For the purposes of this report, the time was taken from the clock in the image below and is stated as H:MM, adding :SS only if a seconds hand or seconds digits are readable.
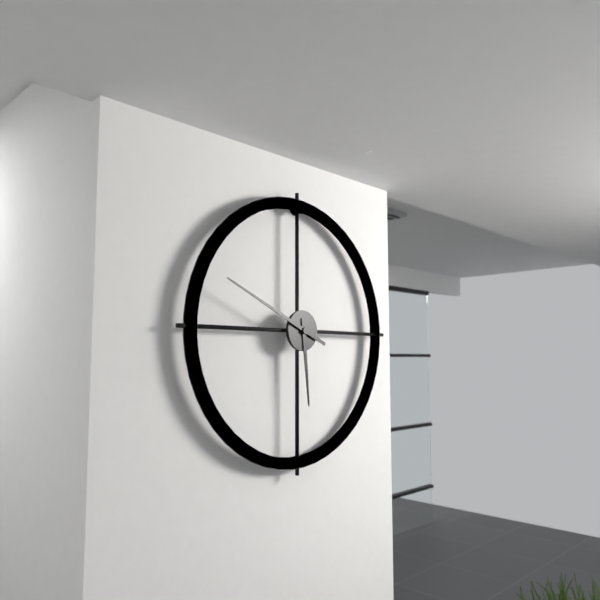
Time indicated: 5:49
